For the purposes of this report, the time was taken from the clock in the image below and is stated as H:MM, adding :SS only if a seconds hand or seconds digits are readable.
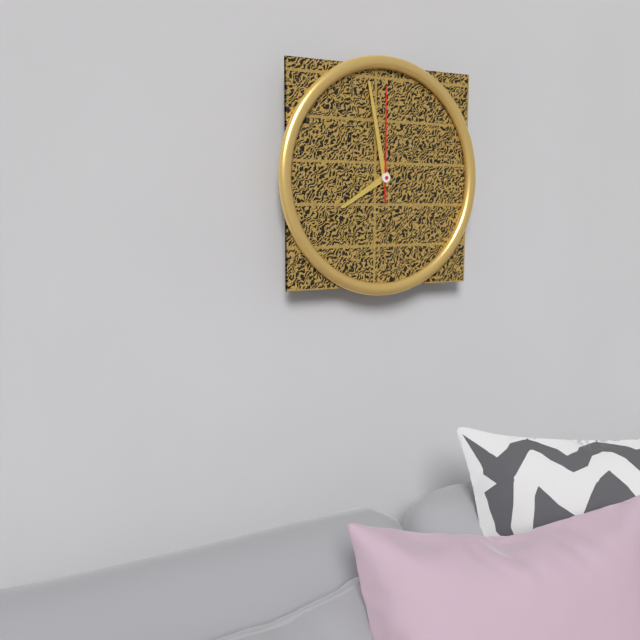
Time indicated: 7:58:00
